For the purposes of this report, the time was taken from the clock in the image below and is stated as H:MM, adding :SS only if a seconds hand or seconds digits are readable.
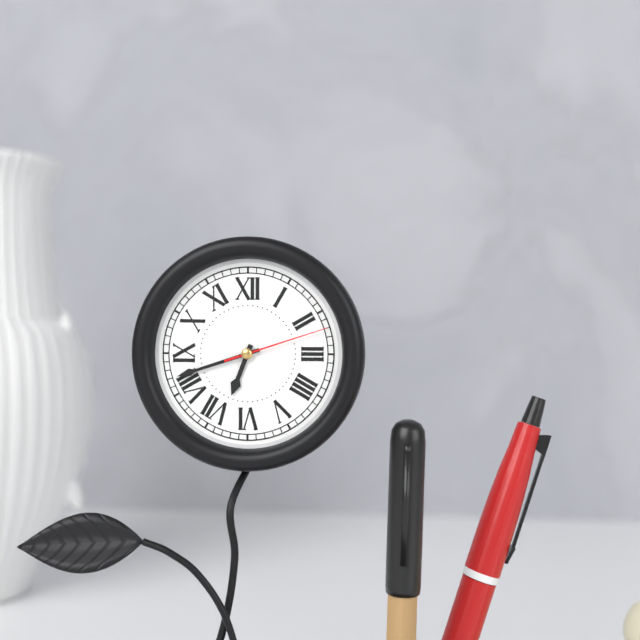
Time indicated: 6:42:12
